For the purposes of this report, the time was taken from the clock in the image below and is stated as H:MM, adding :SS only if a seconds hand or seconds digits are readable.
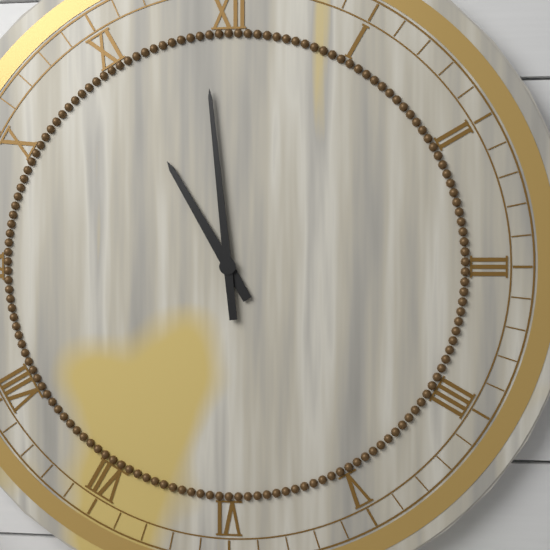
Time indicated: 10:59
